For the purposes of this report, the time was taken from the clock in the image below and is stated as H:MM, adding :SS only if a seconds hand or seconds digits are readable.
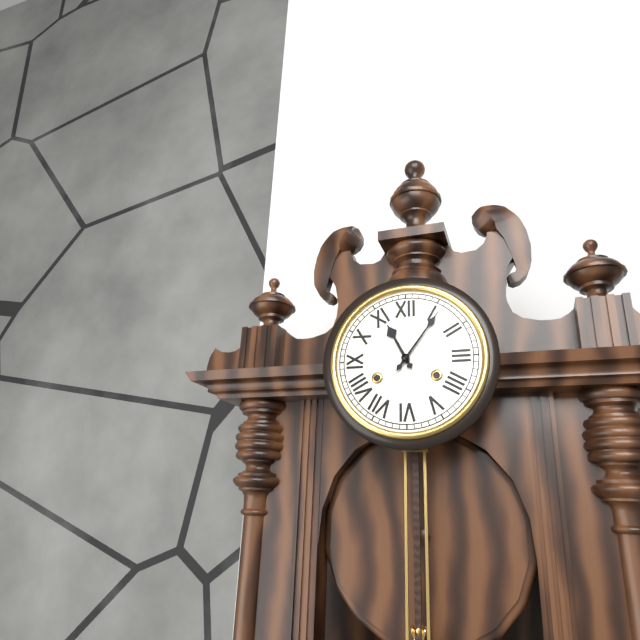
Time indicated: 11:06
